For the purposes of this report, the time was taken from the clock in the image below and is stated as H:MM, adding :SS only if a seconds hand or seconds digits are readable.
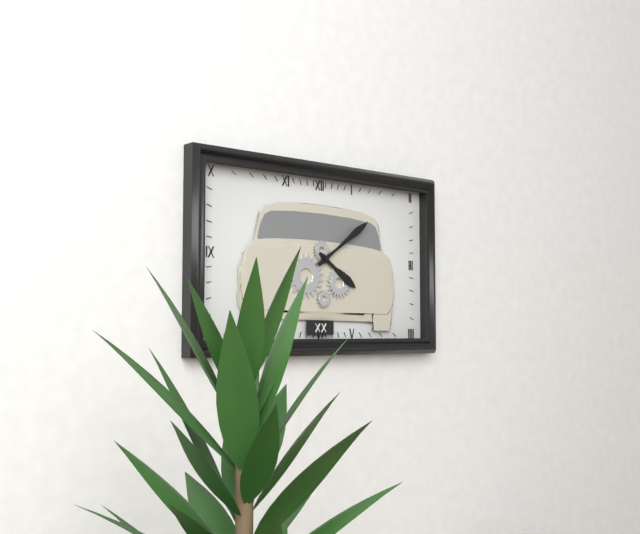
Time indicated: 4:09
